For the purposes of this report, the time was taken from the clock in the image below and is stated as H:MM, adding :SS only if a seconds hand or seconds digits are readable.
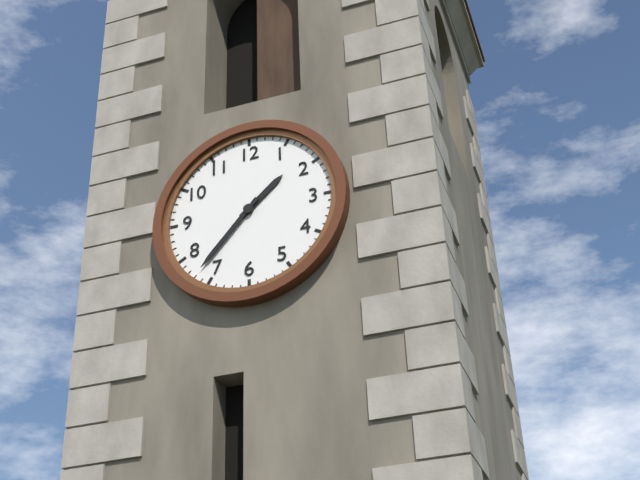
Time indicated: 1:37
